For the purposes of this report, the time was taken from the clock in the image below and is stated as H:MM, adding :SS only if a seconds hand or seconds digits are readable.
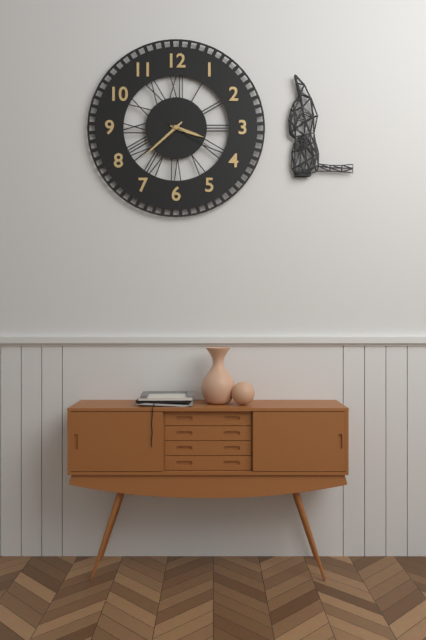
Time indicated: 3:38
